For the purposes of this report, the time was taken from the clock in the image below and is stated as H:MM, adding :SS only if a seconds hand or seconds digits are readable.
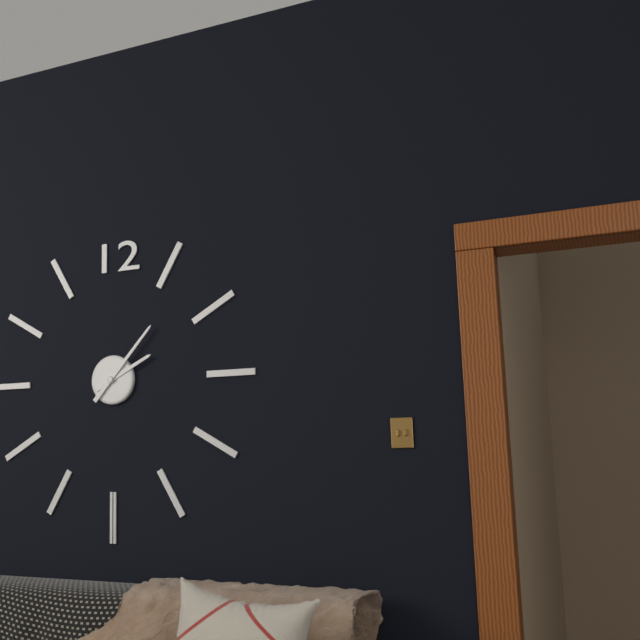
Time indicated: 2:07
